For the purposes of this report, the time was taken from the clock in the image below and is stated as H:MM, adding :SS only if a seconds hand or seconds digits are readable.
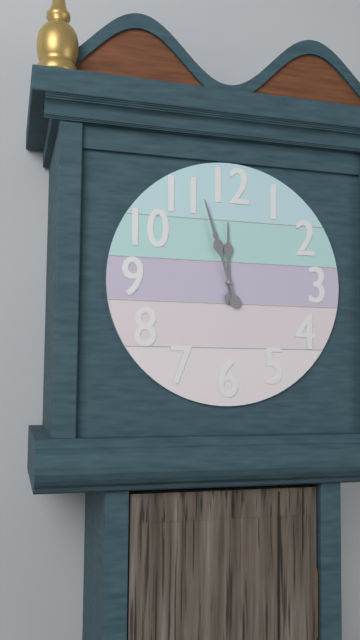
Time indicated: 11:57
